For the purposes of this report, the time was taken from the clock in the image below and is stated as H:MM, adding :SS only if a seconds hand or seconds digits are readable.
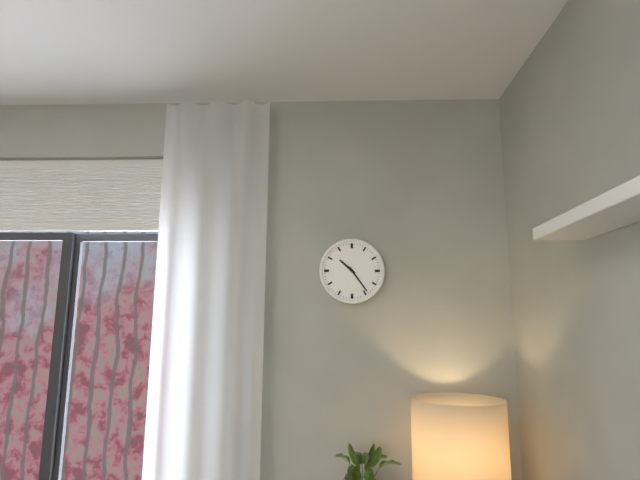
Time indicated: 10:24
